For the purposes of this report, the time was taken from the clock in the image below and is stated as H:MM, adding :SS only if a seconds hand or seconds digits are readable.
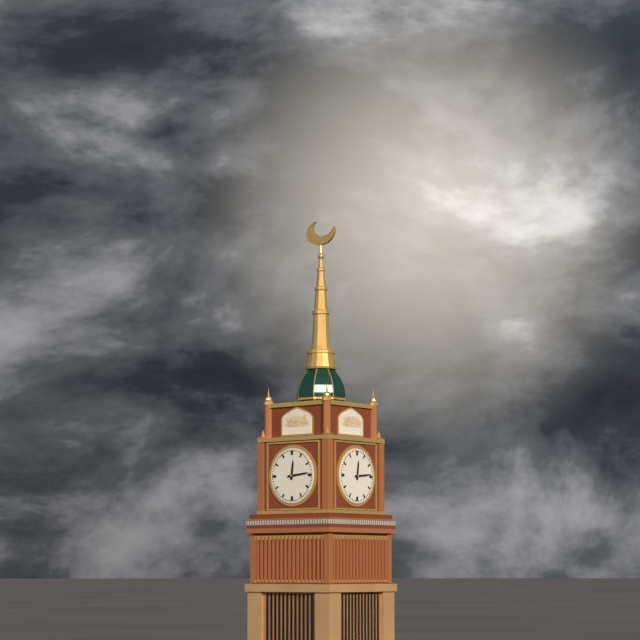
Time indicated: 12:14
